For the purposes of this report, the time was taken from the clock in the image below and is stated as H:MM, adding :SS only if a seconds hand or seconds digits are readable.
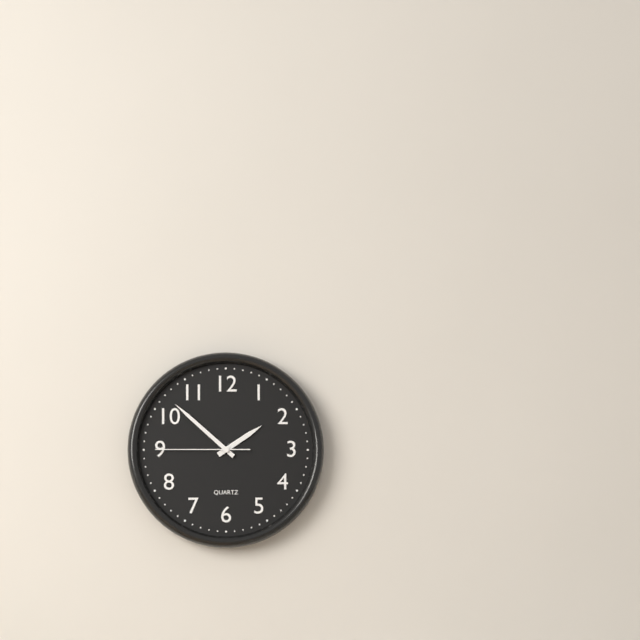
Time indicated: 1:52:45
